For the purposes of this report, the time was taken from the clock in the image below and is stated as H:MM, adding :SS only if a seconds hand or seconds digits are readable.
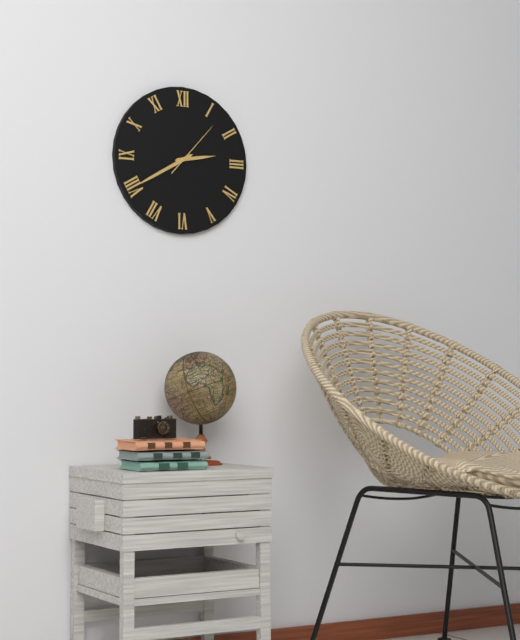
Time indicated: 2:40:07
